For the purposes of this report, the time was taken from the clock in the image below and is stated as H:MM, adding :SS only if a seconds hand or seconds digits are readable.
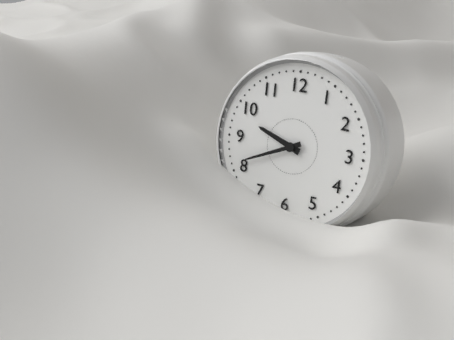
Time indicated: 9:41
